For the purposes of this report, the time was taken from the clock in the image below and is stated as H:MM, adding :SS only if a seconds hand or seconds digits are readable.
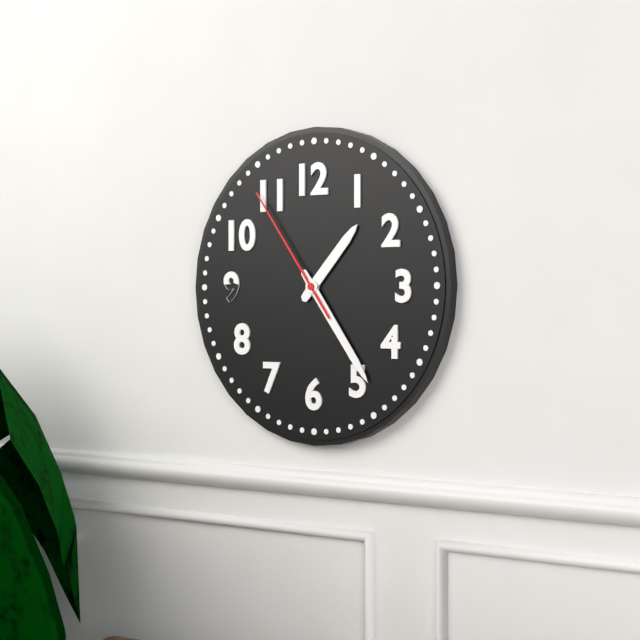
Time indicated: 1:24:54
